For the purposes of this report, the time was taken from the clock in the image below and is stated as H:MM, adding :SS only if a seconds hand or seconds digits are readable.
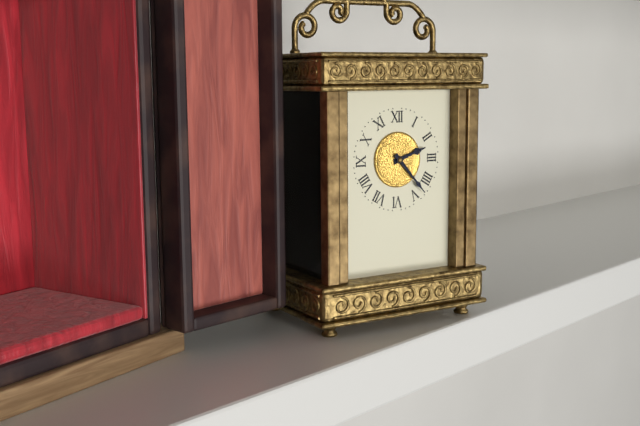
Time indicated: 2:23
